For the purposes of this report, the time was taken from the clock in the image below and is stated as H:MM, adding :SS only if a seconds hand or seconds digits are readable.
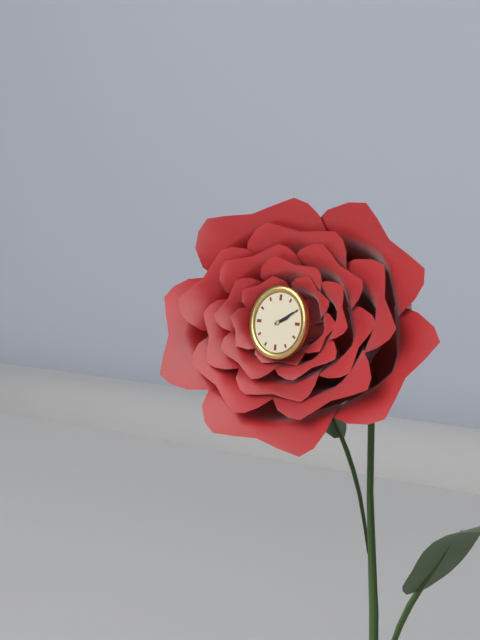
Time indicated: 2:10
